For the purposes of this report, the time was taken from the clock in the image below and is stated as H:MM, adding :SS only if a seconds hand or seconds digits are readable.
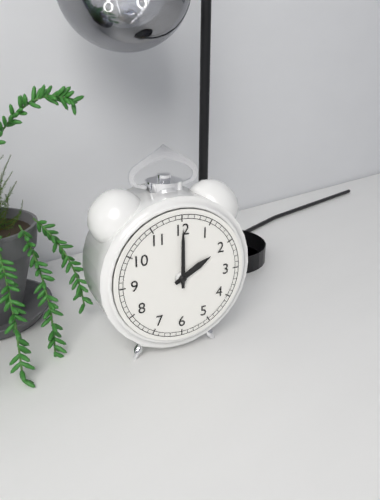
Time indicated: 2:00
